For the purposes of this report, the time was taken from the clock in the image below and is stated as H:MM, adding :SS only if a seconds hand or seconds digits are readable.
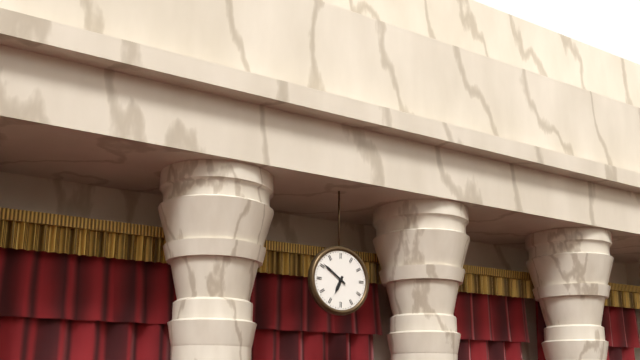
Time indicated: 6:51
